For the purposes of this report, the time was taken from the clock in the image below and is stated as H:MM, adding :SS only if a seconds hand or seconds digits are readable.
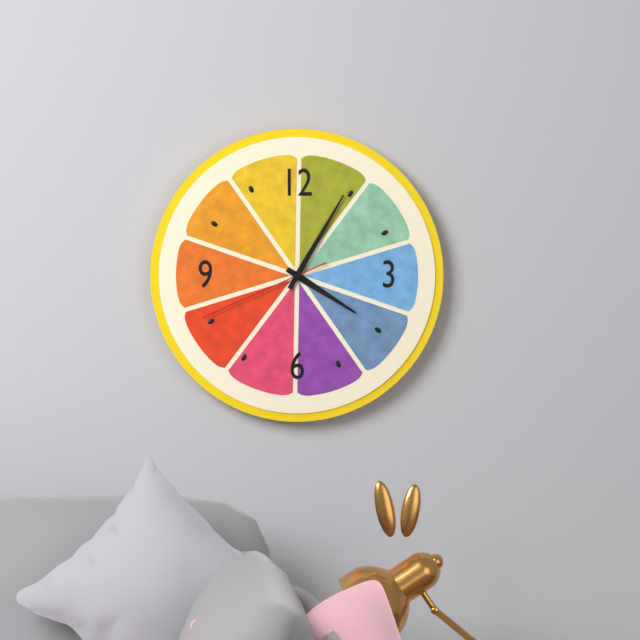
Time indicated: 4:05:41
